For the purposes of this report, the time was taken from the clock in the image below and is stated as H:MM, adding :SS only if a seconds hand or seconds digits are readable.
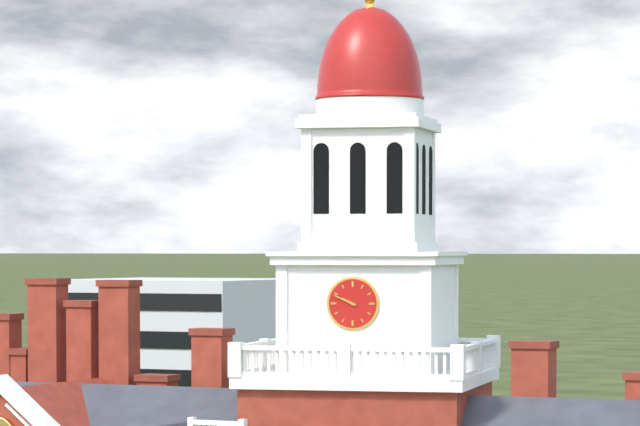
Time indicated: 9:49
